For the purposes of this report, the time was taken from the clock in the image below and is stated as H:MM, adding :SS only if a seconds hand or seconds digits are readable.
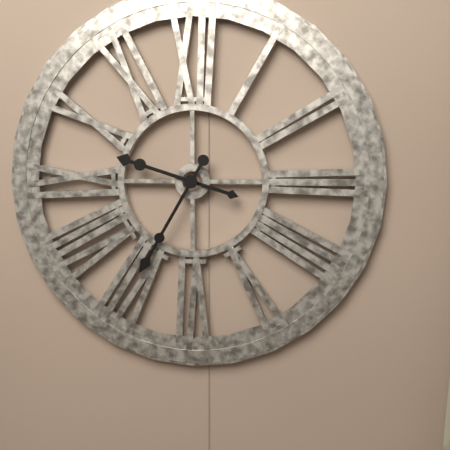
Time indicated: 9:35
